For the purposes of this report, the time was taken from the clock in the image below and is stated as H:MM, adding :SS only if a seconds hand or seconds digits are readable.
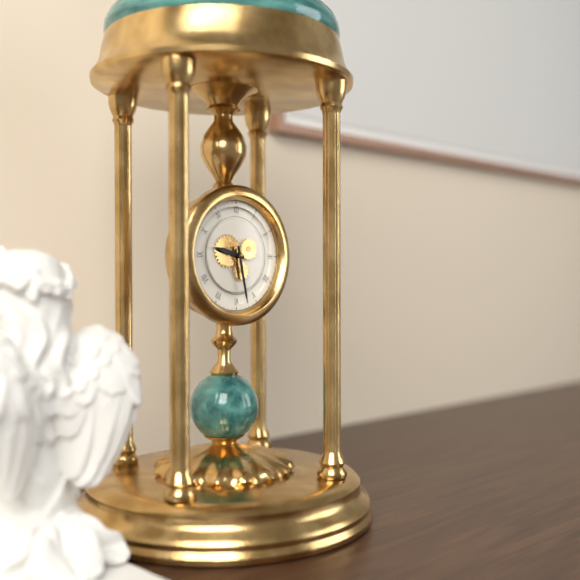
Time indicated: 9:28
